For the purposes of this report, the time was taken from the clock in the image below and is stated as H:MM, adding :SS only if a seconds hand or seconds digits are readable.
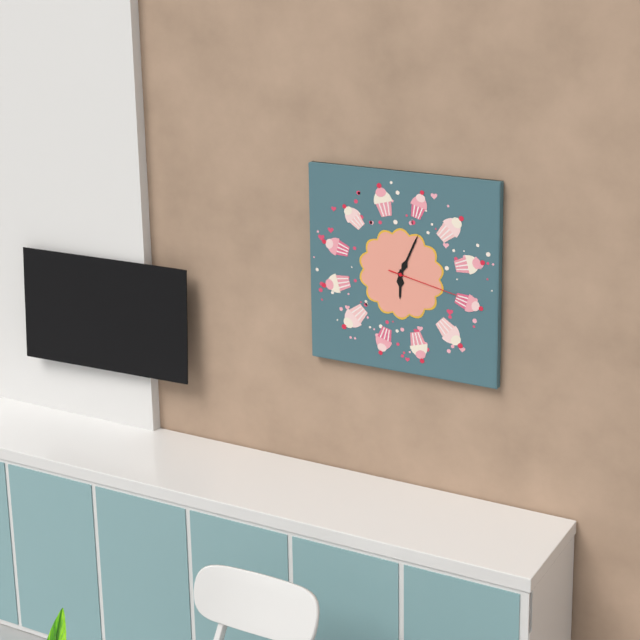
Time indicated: 6:04:17
